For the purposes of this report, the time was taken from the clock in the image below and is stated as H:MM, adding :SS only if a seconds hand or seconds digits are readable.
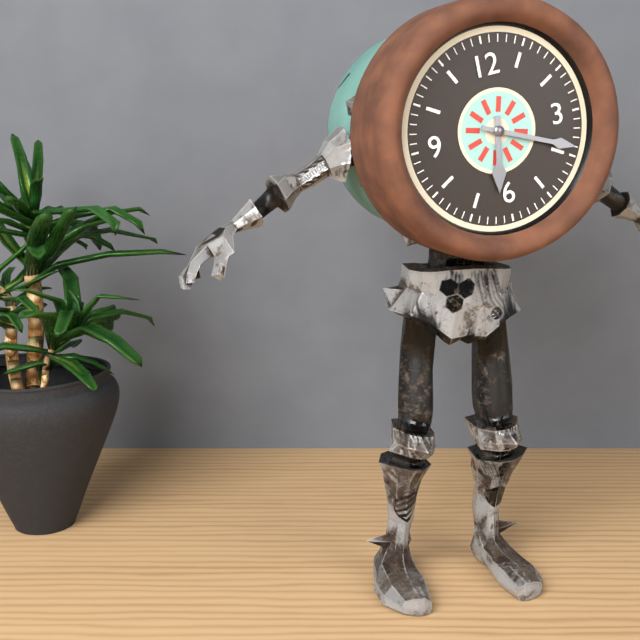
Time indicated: 6:19
